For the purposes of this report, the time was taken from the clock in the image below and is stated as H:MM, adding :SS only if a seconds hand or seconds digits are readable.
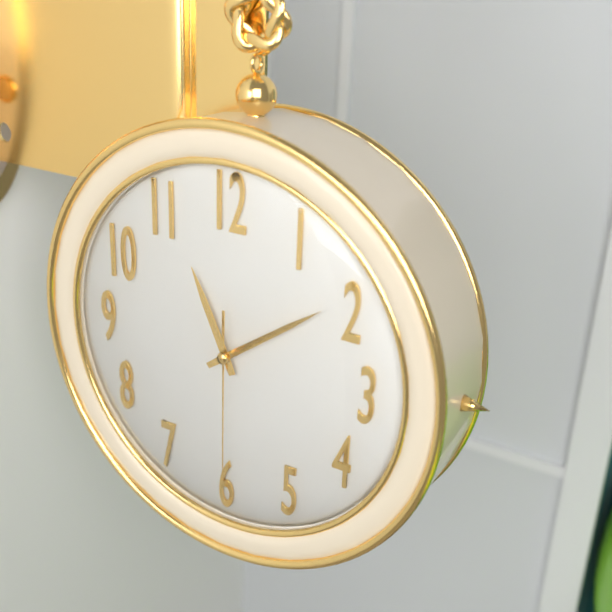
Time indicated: 11:09:30
